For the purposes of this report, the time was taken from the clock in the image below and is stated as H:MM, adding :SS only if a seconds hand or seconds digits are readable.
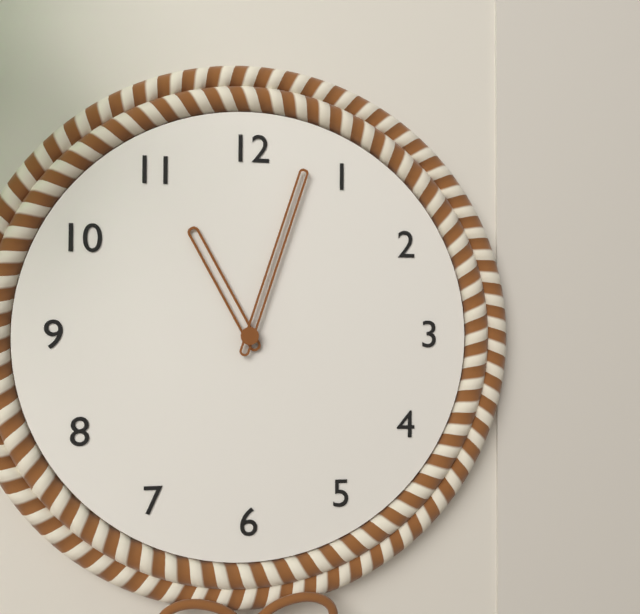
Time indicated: 11:03
